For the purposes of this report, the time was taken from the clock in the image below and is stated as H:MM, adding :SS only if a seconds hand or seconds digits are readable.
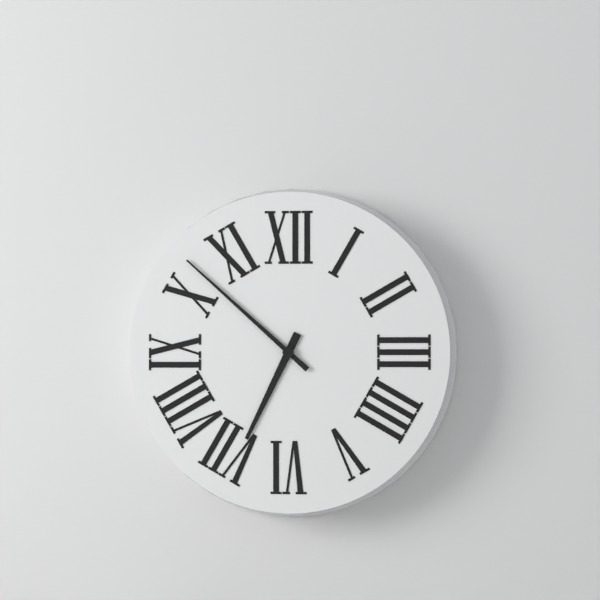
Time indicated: 6:52
